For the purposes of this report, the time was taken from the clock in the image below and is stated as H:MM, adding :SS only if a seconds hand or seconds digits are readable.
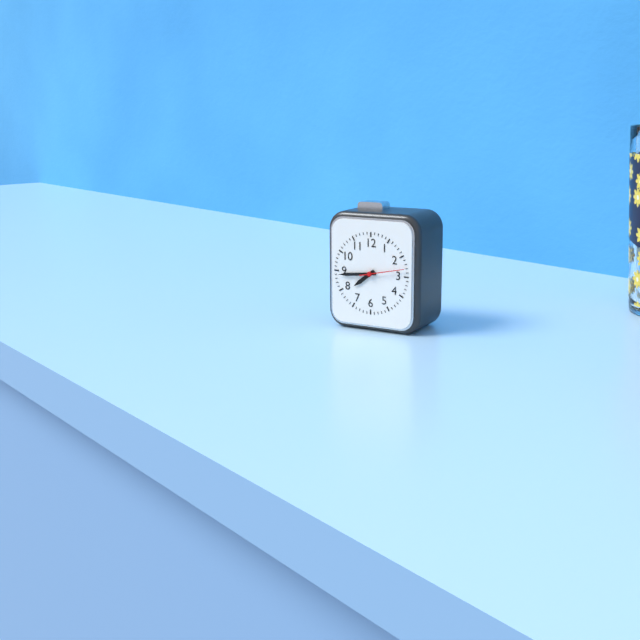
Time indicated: 7:44
